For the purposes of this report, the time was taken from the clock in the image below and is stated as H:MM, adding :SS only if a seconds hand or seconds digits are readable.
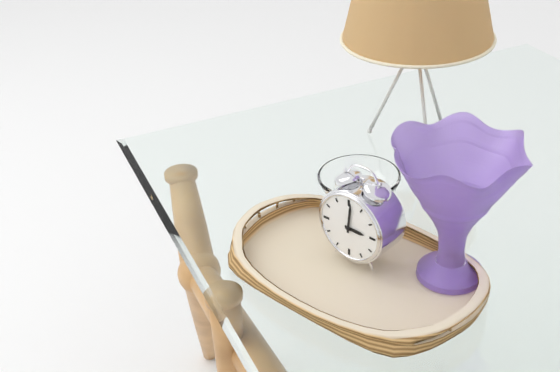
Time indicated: 3:01
